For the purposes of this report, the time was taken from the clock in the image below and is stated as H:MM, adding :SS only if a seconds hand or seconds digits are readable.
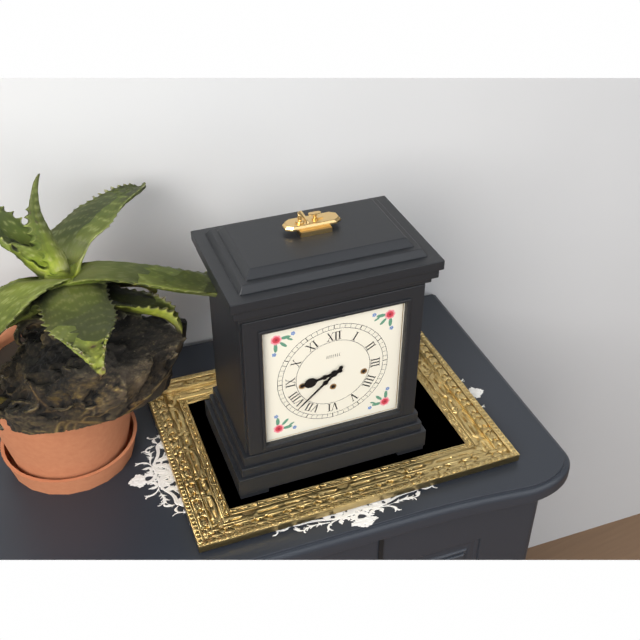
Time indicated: 8:38
